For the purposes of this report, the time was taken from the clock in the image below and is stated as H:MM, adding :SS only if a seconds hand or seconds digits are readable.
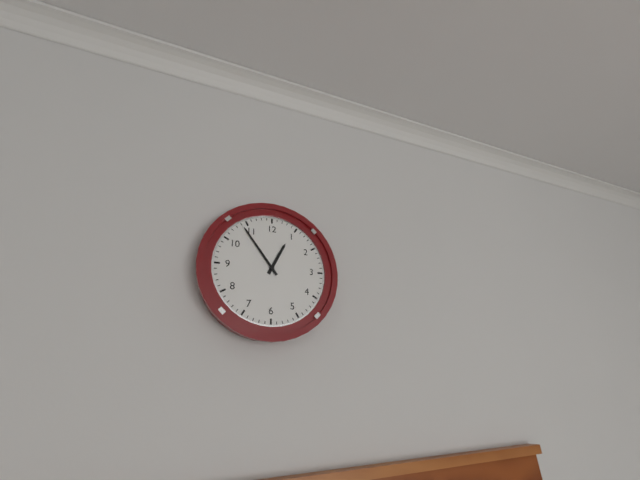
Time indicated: 12:54
